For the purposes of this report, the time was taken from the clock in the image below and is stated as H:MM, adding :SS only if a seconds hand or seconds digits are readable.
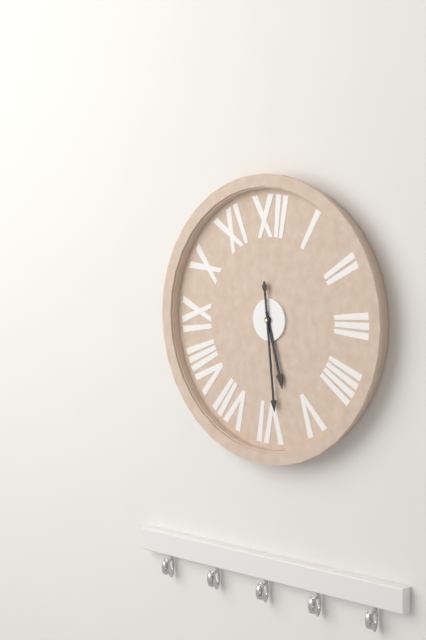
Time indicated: 5:29
